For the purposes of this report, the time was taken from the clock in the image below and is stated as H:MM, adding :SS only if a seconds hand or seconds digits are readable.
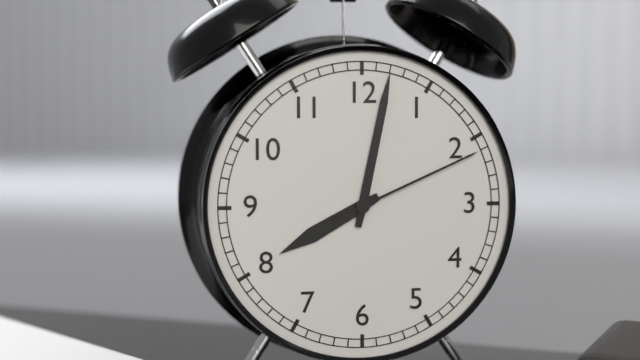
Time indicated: 8:02:11
